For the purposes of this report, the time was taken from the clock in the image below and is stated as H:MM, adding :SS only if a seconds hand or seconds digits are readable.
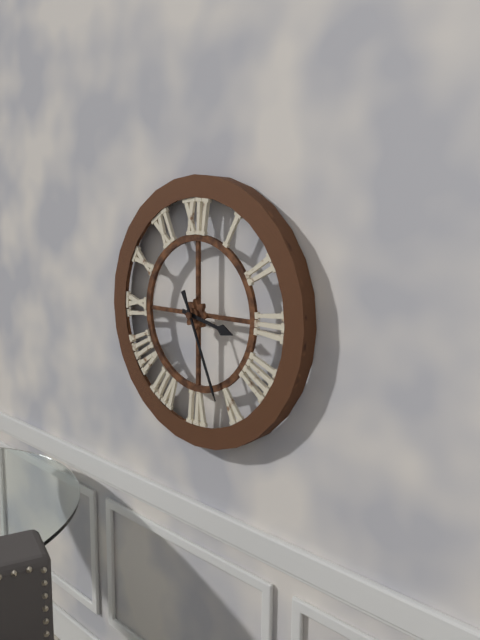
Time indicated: 3:26
